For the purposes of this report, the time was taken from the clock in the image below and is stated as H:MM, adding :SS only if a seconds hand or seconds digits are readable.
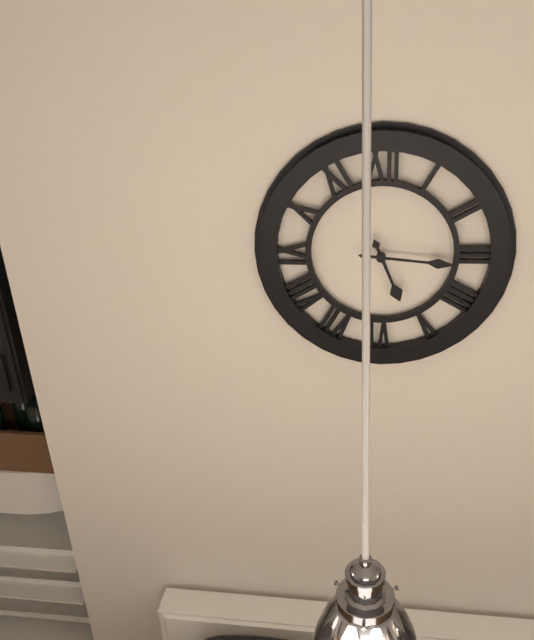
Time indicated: 5:16
